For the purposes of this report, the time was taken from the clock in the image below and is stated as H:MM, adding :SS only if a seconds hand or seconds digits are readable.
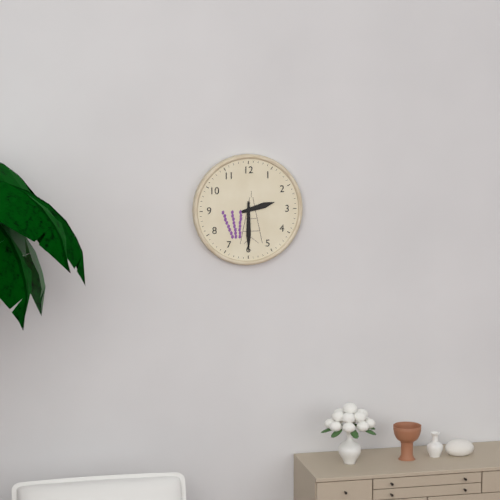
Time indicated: 2:30
